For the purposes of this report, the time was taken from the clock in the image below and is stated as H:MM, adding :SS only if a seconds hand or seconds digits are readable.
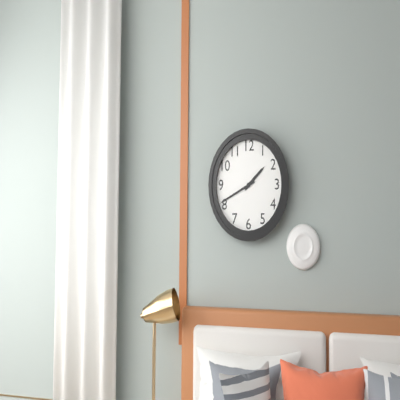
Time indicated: 1:41
